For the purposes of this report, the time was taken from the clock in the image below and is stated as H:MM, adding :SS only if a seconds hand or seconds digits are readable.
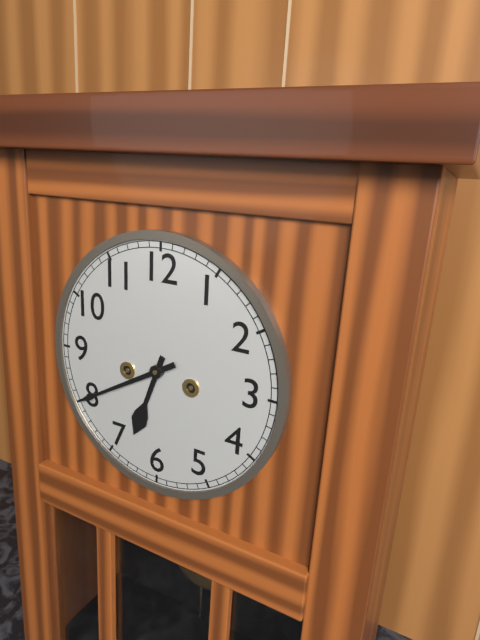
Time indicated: 6:40
